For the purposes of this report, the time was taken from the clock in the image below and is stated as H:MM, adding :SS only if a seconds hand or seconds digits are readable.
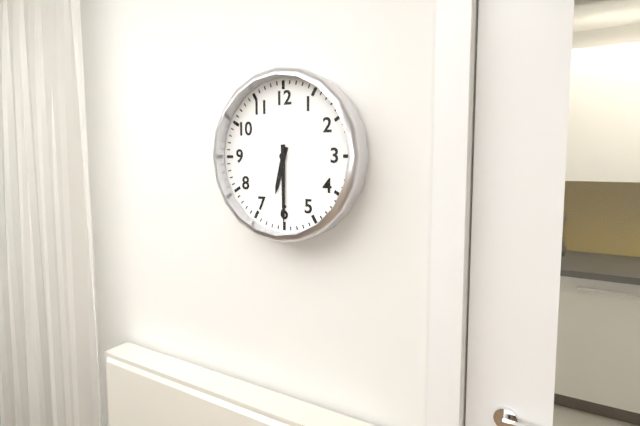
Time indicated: 6:30
